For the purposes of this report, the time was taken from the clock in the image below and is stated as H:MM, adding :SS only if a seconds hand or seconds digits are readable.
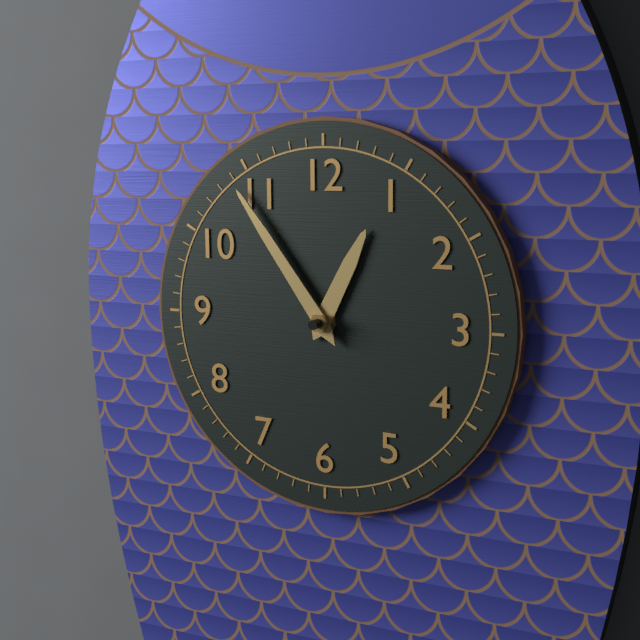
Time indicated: 12:54
